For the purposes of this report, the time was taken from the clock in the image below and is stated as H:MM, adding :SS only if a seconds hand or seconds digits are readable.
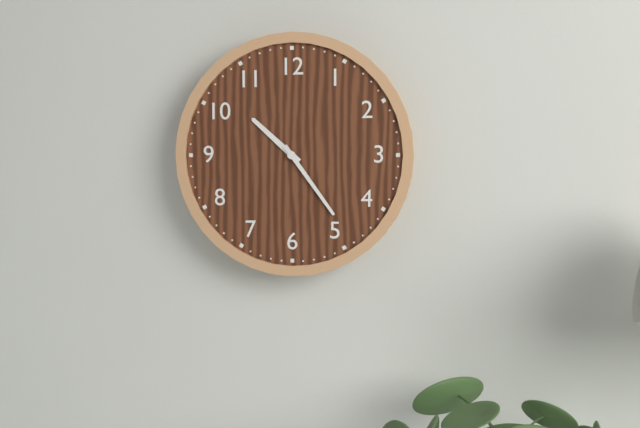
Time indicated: 10:24
